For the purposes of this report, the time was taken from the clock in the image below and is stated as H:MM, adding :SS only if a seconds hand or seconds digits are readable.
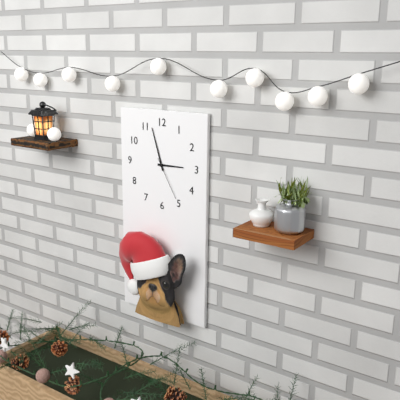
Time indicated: 2:57
